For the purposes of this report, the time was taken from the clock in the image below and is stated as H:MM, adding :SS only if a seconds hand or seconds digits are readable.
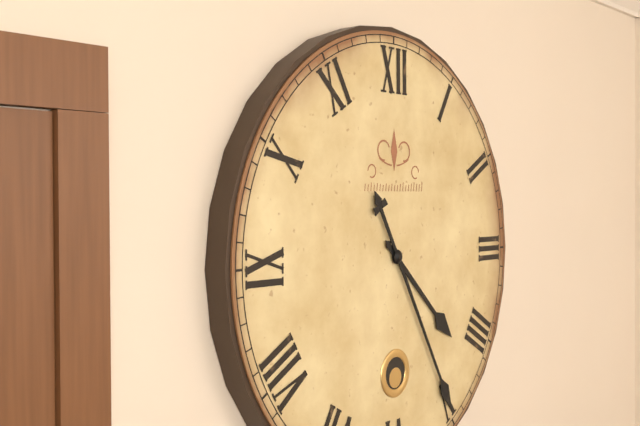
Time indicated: 4:25
